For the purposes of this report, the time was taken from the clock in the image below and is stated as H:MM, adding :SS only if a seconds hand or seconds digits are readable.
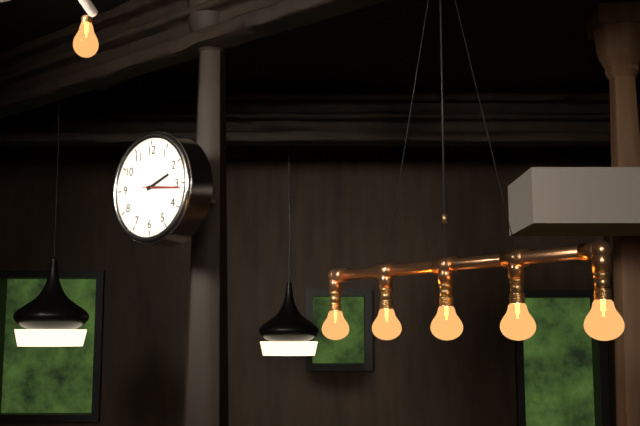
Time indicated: 2:16
